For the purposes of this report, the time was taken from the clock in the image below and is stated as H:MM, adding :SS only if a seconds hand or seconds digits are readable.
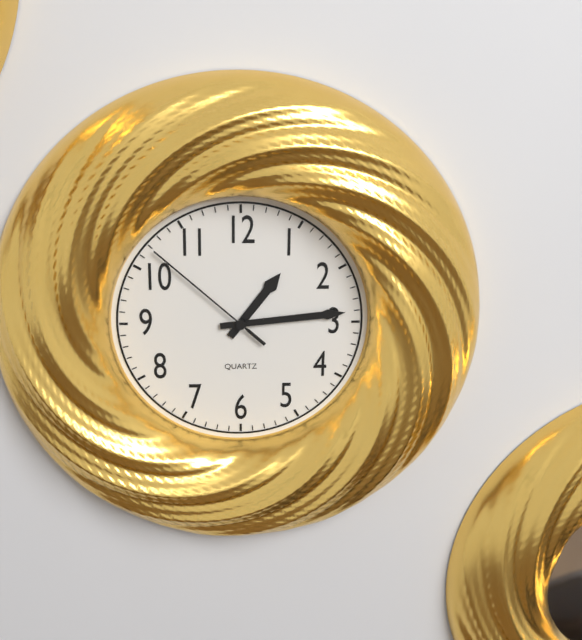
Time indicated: 1:14:52
